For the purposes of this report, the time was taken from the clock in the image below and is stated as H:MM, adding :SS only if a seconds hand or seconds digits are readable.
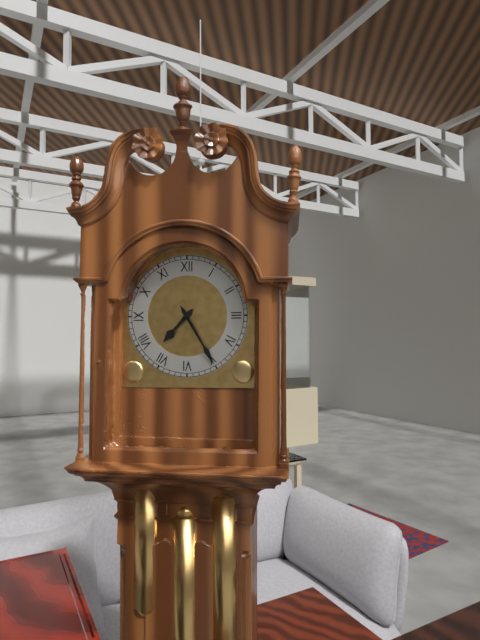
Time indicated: 7:25
